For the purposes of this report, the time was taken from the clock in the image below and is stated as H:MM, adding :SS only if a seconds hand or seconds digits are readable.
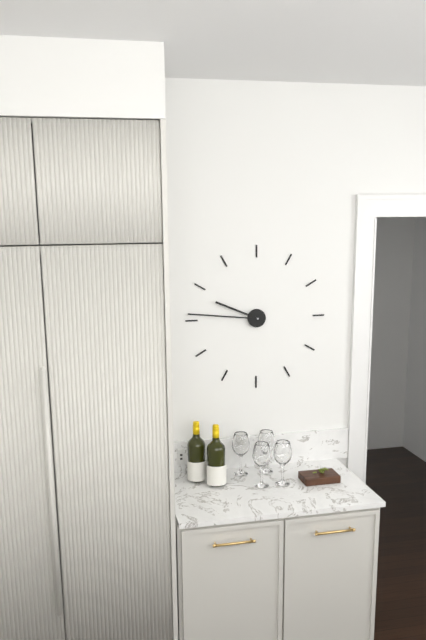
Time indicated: 9:46
